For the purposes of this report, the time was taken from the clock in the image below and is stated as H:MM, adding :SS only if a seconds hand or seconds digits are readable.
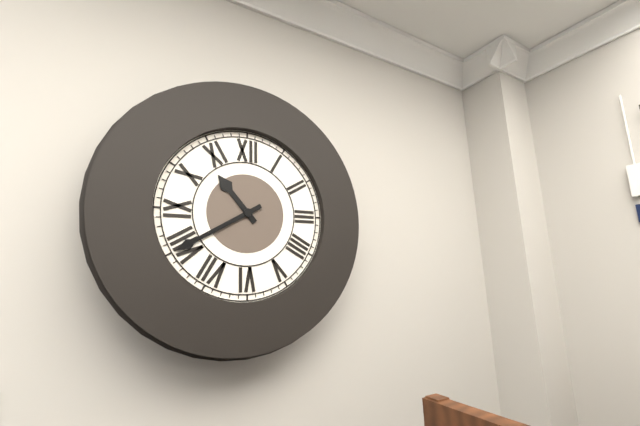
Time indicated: 10:40
